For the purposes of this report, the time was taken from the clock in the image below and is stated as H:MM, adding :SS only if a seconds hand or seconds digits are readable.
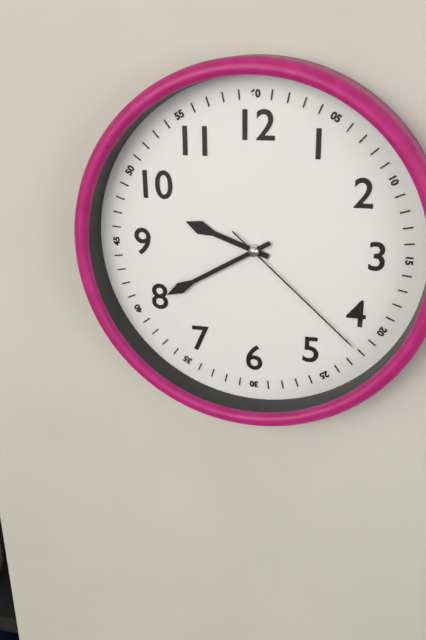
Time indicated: 9:40:22
